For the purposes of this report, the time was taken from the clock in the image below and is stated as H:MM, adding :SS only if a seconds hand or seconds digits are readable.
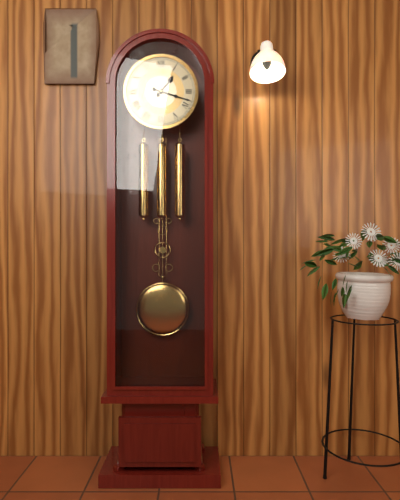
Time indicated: 1:18
